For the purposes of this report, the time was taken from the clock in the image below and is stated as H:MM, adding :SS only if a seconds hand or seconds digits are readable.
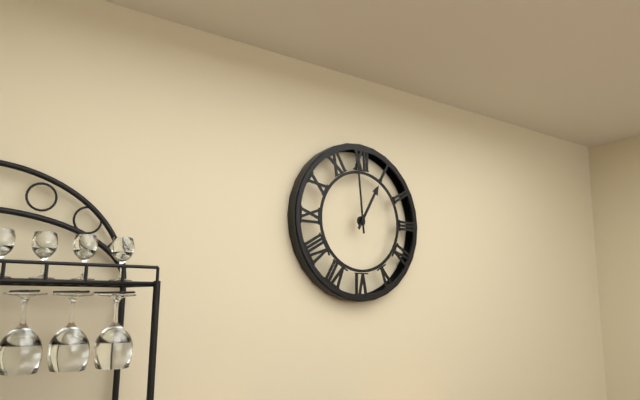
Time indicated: 12:59
